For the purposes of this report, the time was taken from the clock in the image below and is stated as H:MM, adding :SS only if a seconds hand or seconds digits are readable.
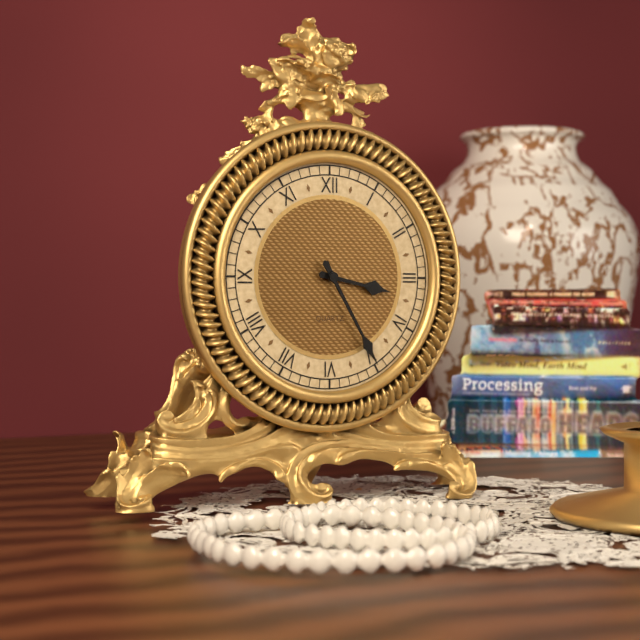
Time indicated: 3:25
